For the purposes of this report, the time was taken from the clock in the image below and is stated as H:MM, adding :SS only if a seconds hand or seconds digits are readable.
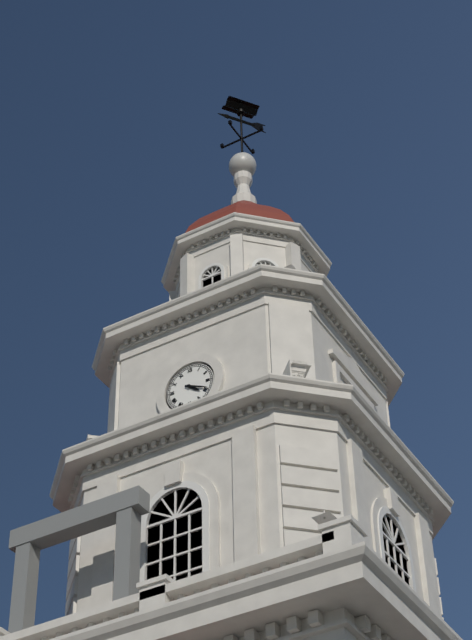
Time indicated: 4:19
